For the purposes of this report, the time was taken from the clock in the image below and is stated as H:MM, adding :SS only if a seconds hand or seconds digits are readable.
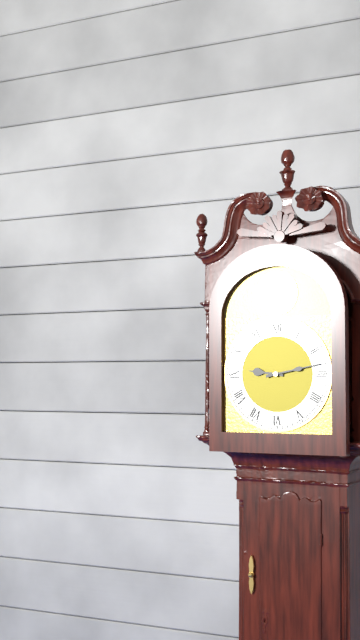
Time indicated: 9:13
